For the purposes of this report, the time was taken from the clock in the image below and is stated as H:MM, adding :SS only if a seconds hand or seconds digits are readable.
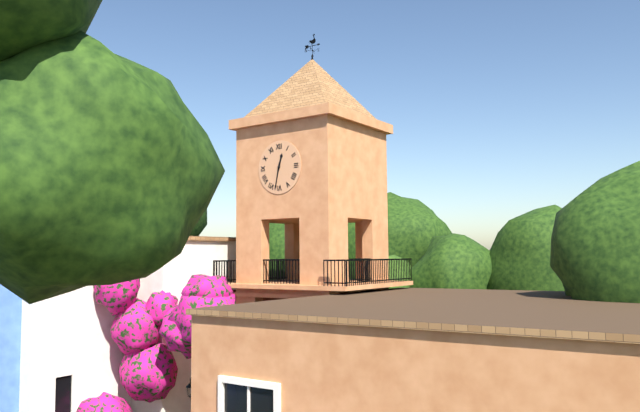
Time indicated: 12:32
